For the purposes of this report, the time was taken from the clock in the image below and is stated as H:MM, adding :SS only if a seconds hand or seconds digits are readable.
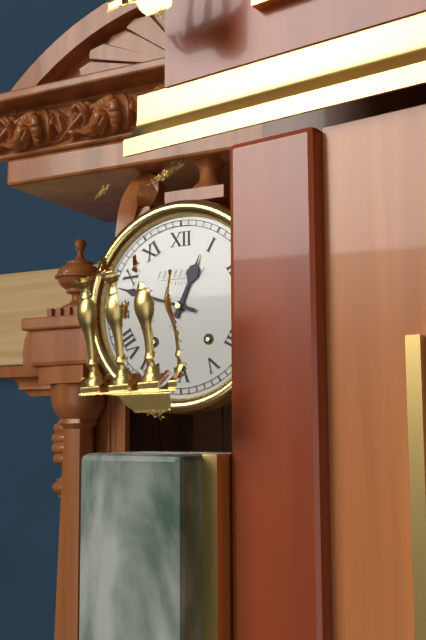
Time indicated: 12:48
